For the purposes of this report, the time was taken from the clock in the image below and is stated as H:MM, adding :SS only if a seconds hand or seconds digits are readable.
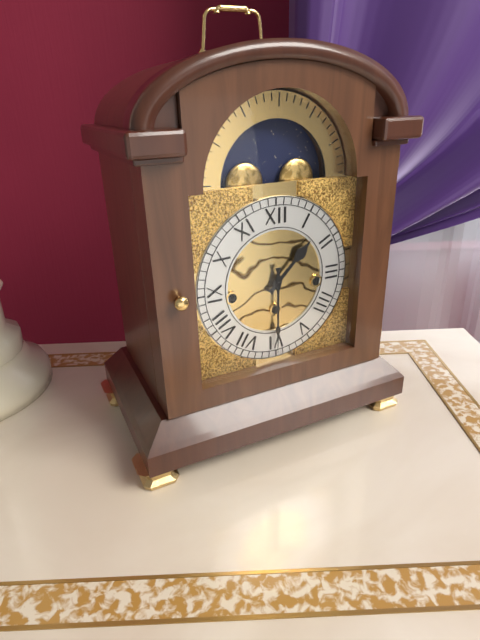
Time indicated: 1:30
